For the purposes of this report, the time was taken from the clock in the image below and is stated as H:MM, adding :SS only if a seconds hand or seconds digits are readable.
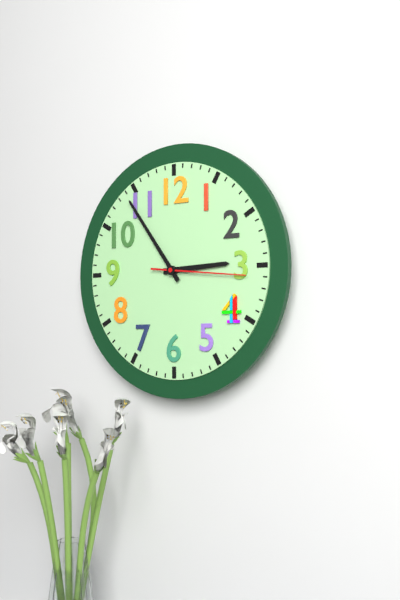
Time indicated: 2:54:16
